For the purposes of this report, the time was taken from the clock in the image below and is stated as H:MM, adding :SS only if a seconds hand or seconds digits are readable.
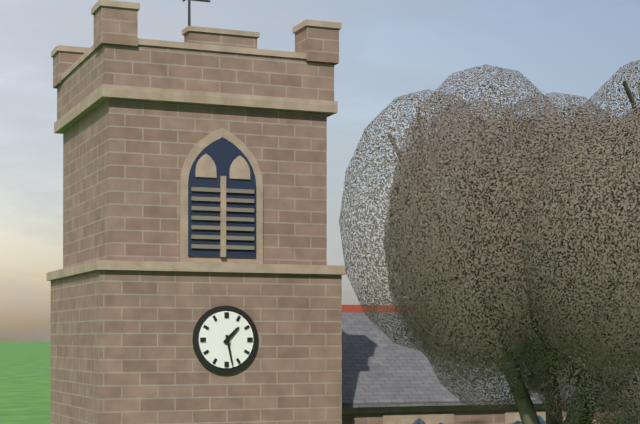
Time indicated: 1:28
